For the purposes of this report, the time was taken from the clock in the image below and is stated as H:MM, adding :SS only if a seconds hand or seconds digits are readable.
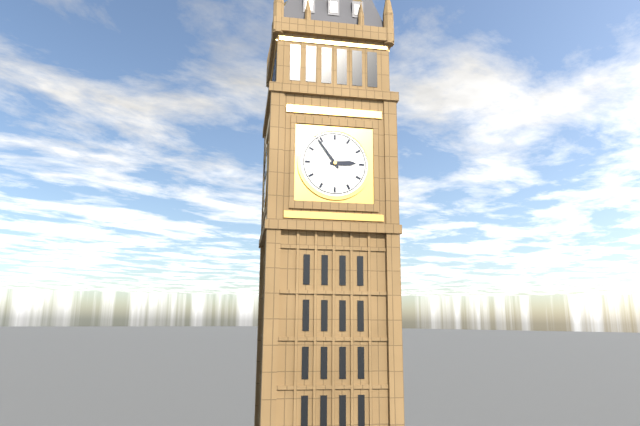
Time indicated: 2:54
